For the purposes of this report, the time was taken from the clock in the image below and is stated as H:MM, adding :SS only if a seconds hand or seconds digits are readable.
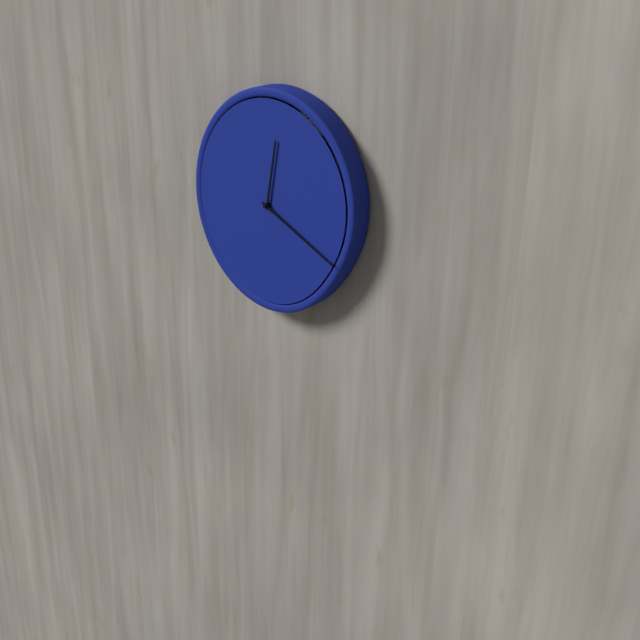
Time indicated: 12:19
